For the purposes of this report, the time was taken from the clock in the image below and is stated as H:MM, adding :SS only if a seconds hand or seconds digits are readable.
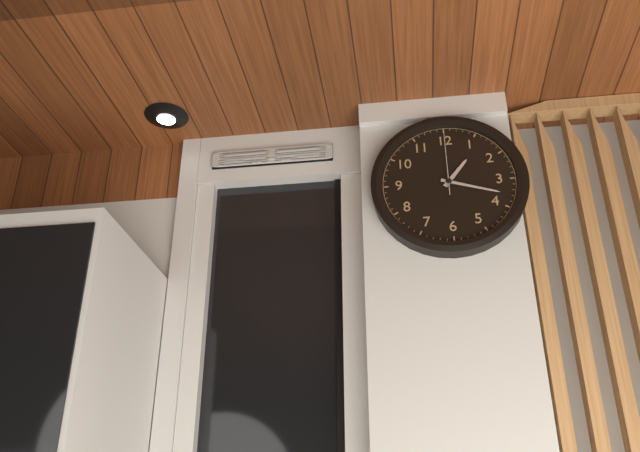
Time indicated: 1:18:00
